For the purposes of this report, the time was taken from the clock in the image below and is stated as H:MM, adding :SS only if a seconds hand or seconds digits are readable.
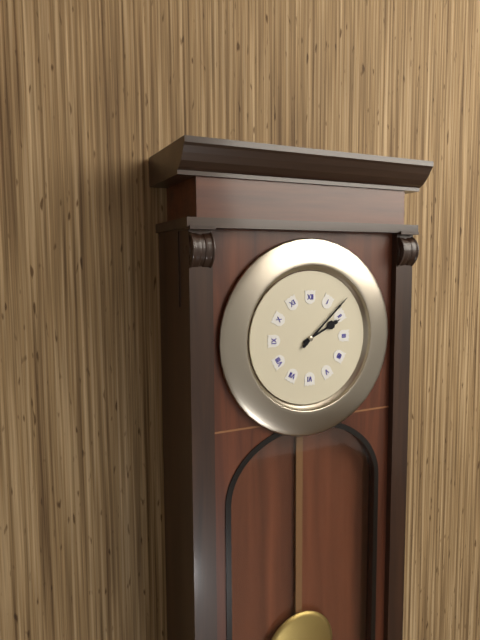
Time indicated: 2:08
